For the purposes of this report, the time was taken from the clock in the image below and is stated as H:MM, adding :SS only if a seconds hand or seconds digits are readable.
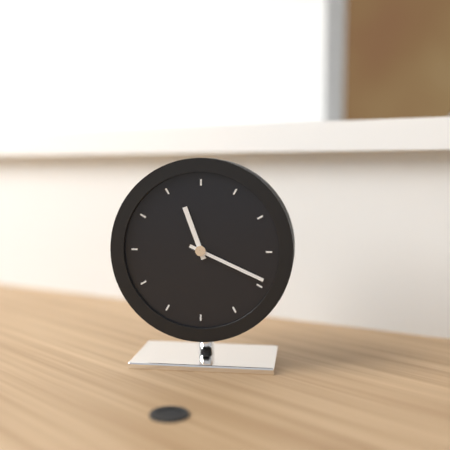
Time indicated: 11:19
